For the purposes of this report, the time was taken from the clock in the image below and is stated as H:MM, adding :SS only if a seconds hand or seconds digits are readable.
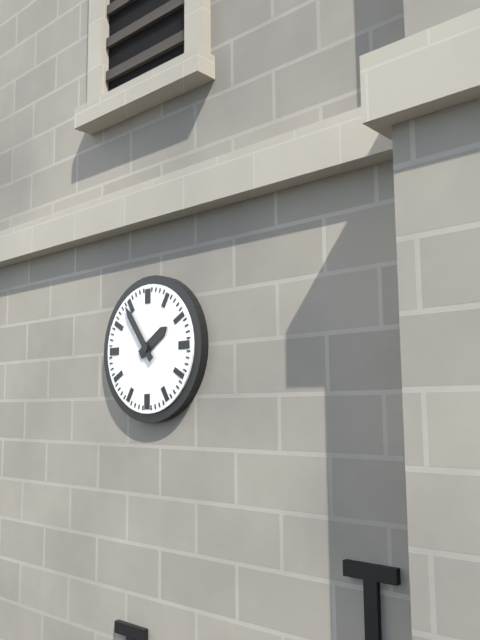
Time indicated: 1:54
